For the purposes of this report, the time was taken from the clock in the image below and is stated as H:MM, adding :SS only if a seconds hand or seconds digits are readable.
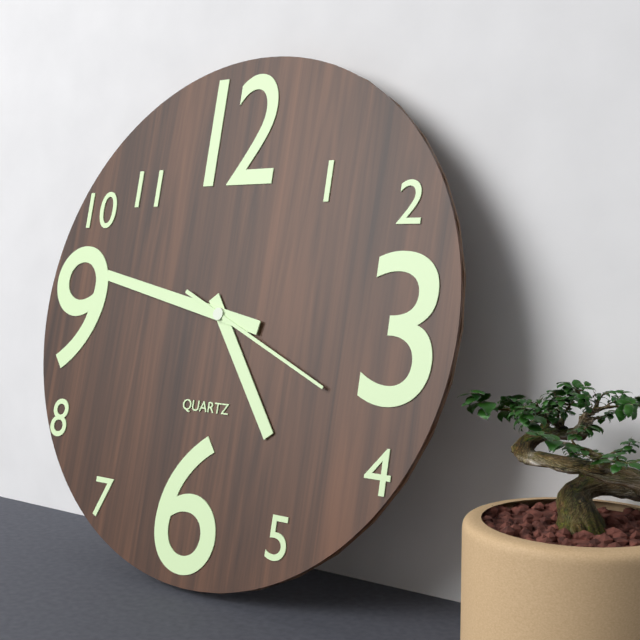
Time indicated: 4:47:19
